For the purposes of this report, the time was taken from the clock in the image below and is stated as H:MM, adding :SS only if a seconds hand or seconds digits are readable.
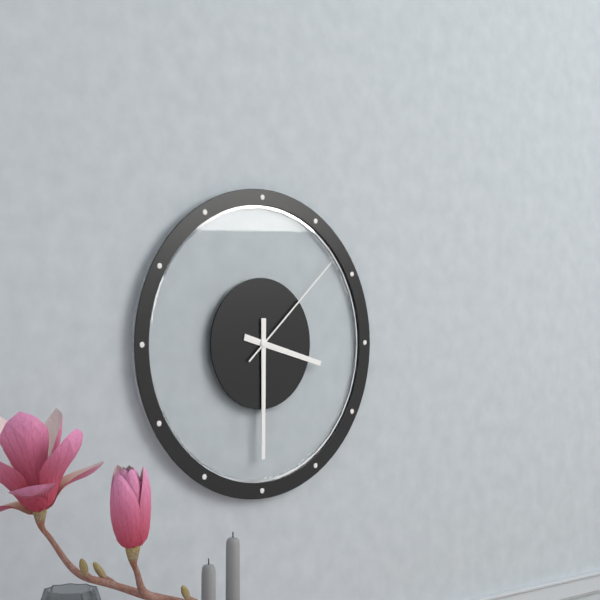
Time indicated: 3:30:08
